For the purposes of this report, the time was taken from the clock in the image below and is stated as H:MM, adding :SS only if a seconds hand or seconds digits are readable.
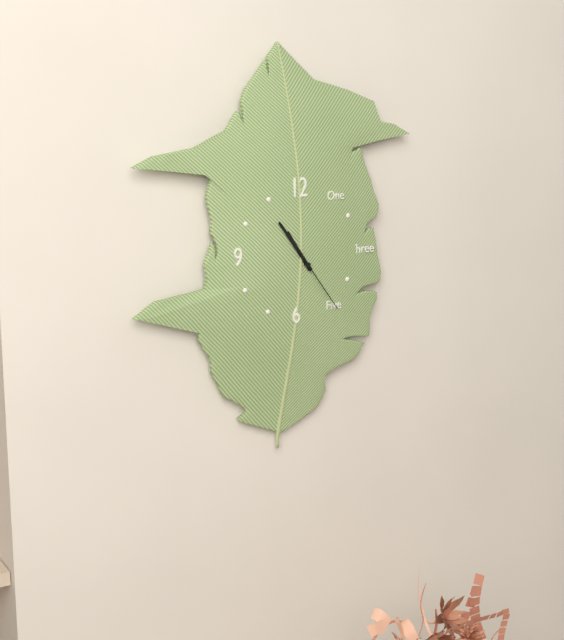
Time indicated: 10:54:24
